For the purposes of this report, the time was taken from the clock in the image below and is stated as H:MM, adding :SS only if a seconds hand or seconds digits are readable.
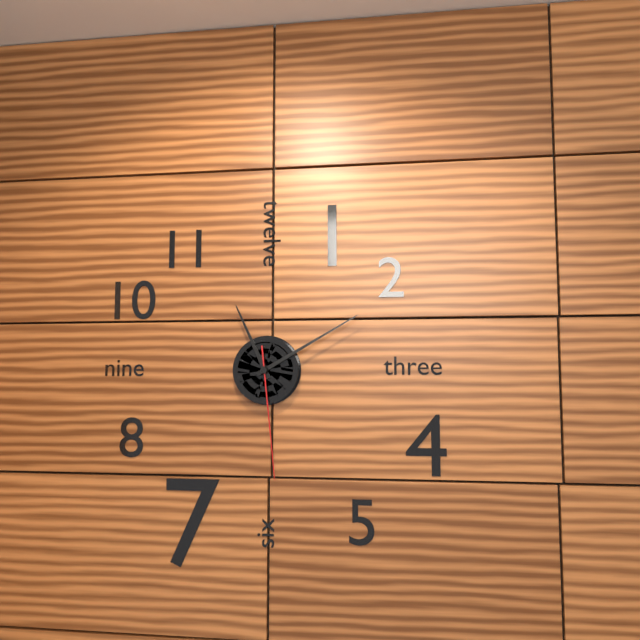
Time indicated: 11:10:29
